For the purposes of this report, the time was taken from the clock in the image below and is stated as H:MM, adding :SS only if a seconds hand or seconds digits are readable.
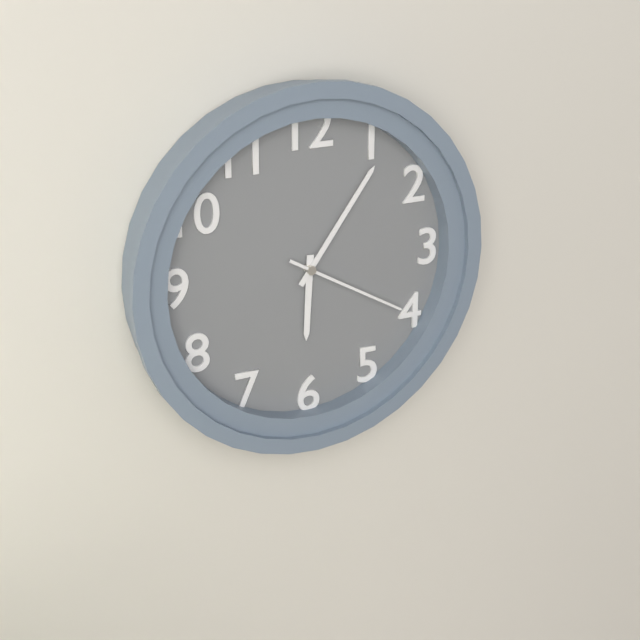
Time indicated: 6:06:20
